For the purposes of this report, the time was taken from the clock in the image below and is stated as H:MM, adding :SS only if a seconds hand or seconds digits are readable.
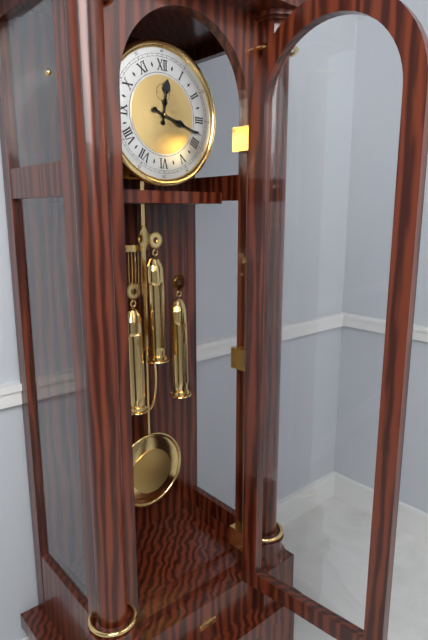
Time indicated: 12:18
